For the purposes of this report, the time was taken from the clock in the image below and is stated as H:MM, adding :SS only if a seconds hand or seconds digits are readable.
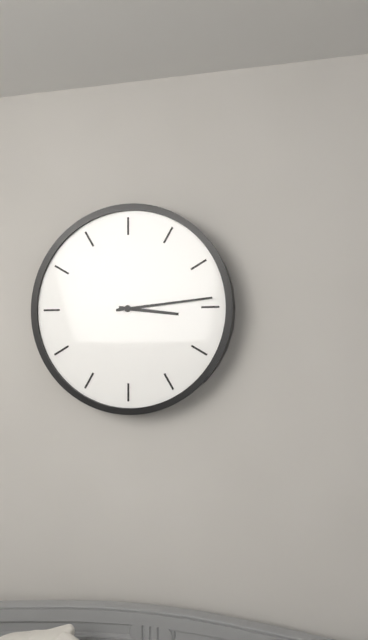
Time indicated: 3:14
